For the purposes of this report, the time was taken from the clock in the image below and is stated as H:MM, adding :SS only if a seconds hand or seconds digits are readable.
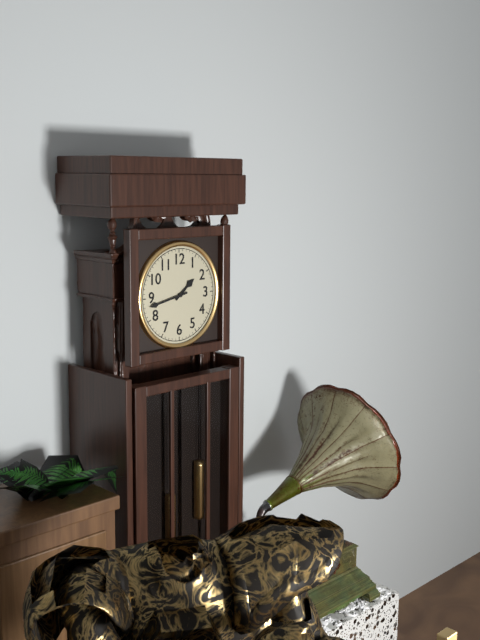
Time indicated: 1:43
